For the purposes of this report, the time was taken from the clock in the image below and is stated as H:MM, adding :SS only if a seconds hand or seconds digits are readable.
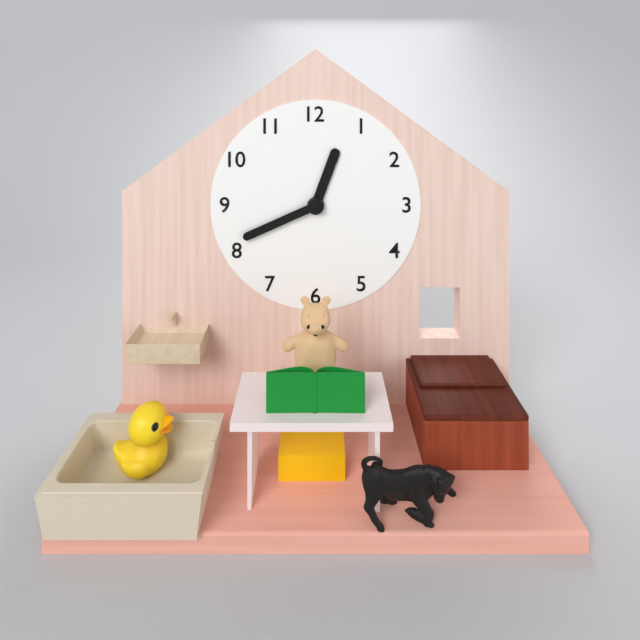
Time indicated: 12:41
